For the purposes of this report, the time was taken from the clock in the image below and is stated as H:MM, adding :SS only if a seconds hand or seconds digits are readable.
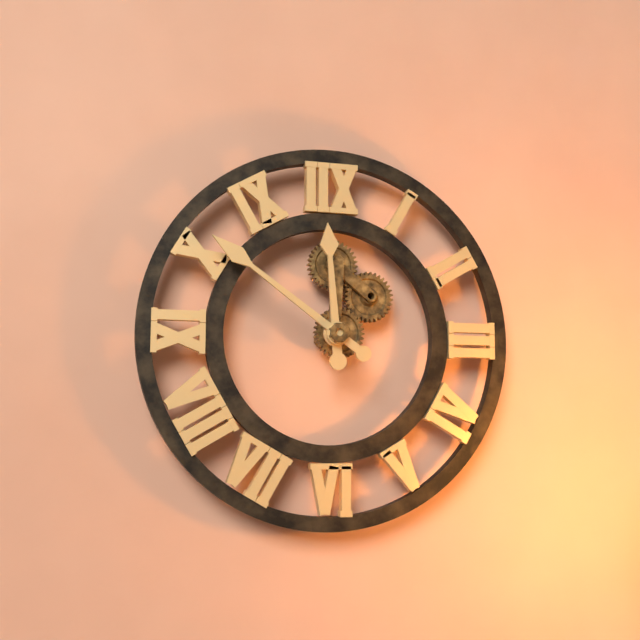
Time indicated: 11:51
